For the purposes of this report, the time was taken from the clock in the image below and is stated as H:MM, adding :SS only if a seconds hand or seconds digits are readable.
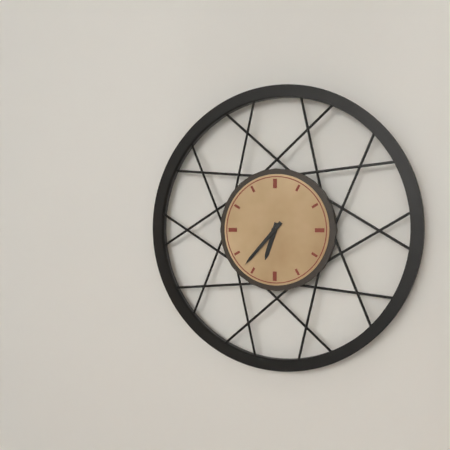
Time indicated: 6:37
